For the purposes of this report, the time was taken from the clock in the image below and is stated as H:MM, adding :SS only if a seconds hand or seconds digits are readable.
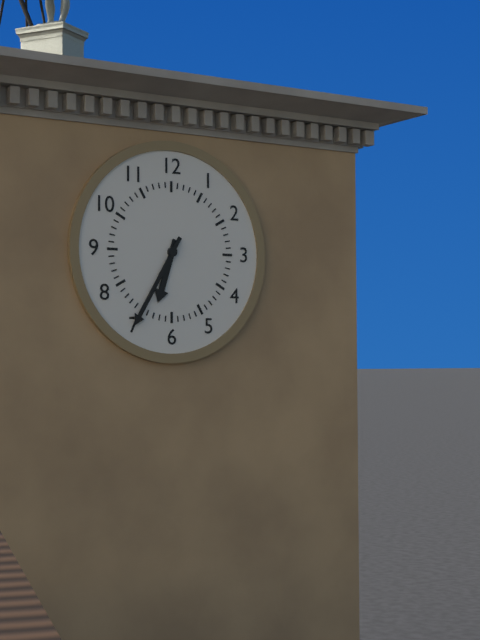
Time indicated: 6:35
